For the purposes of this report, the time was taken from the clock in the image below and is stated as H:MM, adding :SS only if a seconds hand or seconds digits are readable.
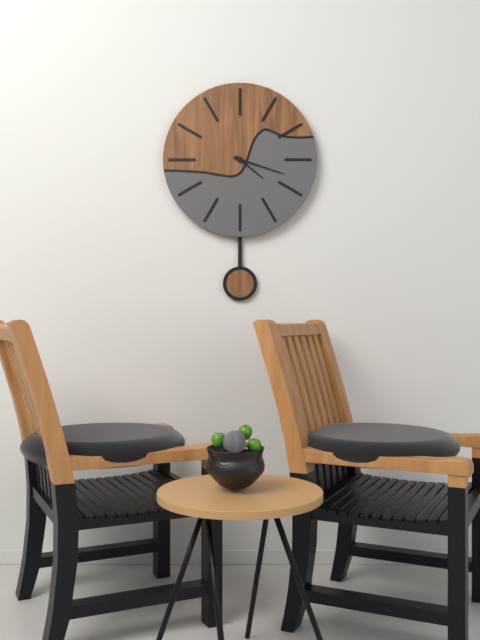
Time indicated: 4:18
